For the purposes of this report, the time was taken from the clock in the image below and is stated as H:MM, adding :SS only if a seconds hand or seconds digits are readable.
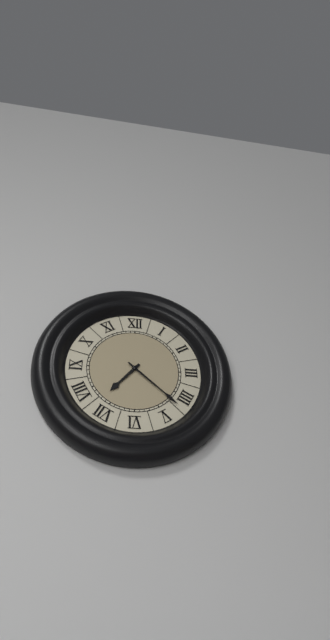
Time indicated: 7:22
